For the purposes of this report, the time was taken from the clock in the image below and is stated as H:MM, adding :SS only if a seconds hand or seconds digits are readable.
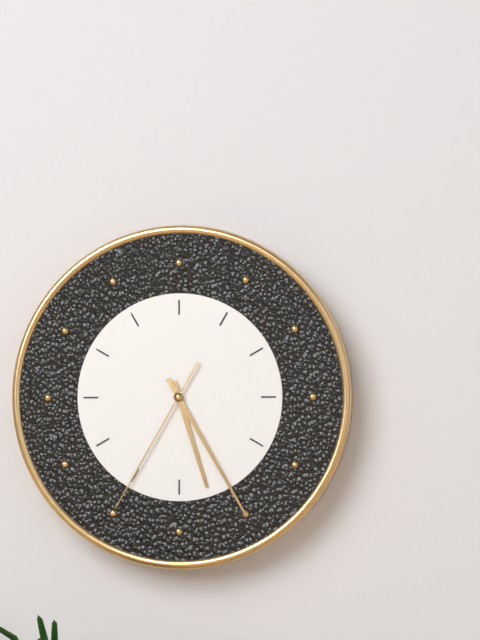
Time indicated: 5:25:35
